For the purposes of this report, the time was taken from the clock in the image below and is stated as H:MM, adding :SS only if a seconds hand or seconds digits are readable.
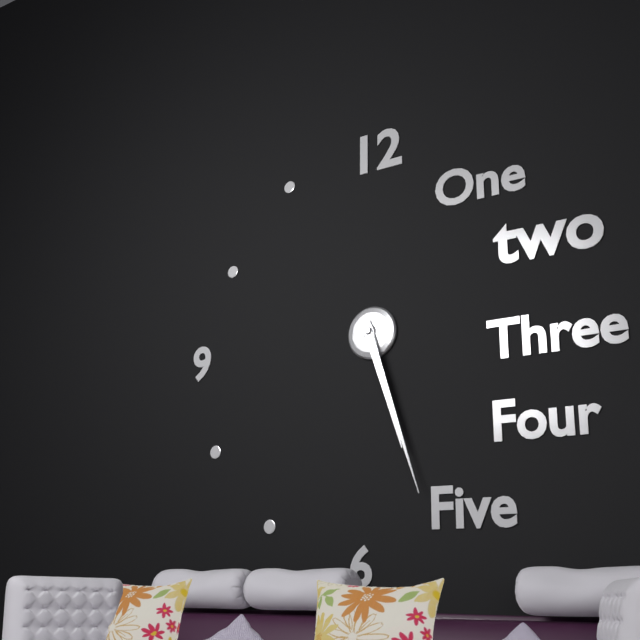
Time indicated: 5:27
